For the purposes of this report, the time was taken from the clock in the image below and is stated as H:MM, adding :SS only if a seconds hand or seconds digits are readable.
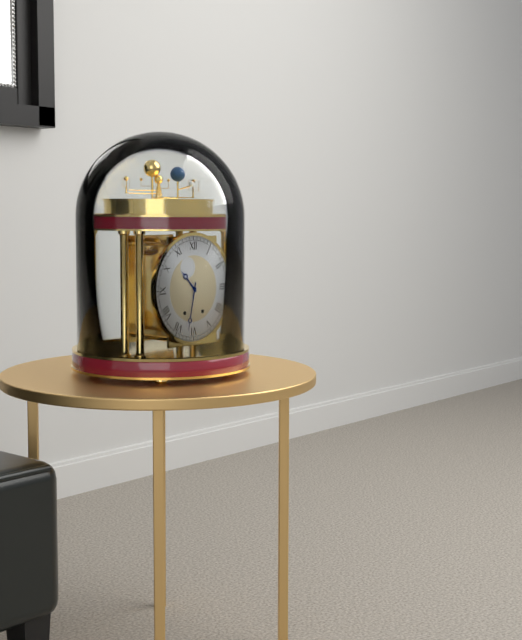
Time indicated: 10:32
